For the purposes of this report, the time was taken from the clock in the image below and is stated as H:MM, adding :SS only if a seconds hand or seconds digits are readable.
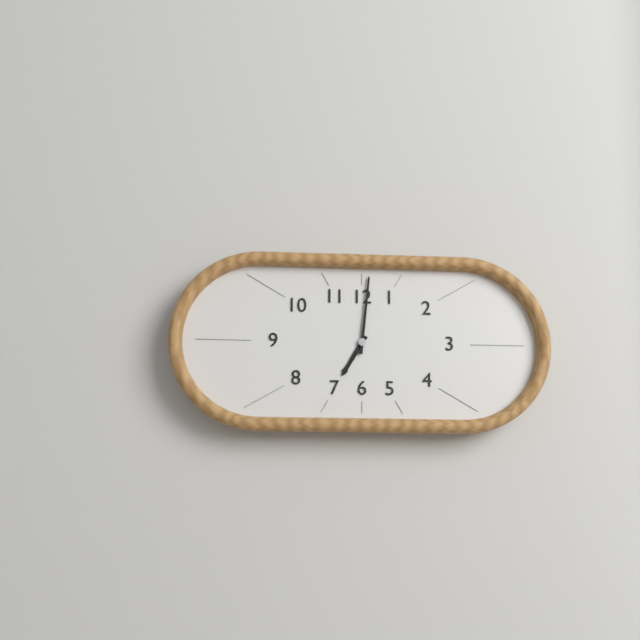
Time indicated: 7:01
